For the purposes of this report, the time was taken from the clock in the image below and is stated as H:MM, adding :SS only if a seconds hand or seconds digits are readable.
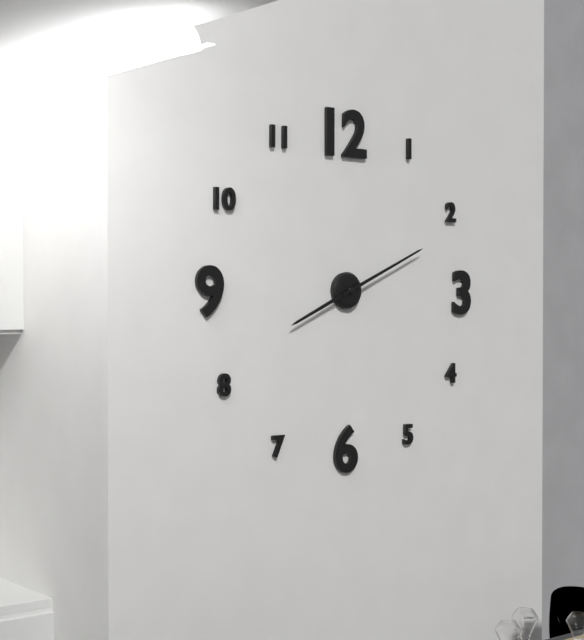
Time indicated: 8:11
